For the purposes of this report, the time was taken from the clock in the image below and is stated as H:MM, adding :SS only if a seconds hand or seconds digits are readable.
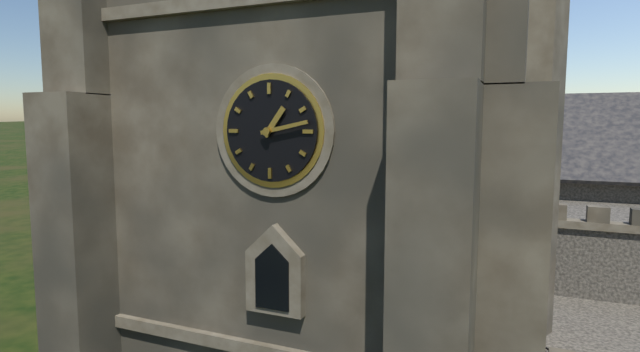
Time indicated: 1:13
